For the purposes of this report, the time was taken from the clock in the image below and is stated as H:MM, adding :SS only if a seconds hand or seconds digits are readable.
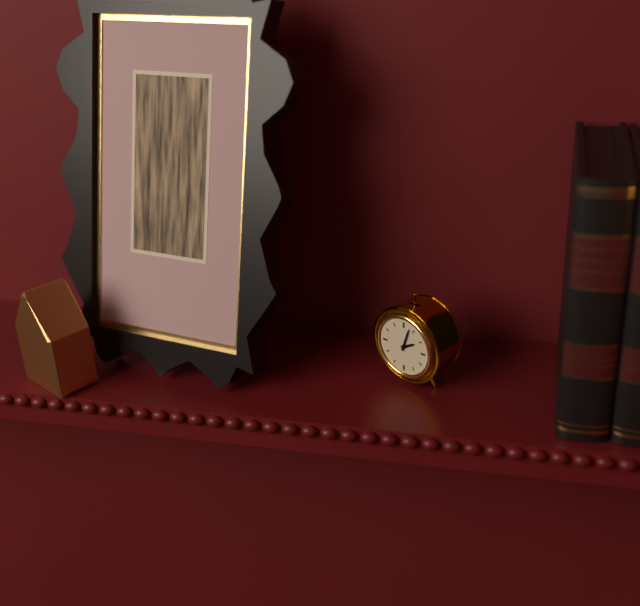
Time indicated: 2:03
